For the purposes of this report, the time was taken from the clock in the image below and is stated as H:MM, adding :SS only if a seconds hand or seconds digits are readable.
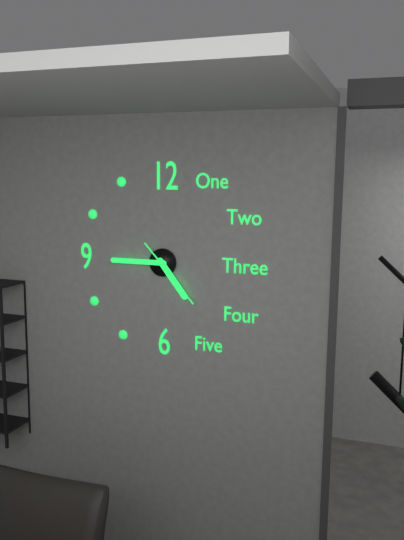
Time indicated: 4:45:23
